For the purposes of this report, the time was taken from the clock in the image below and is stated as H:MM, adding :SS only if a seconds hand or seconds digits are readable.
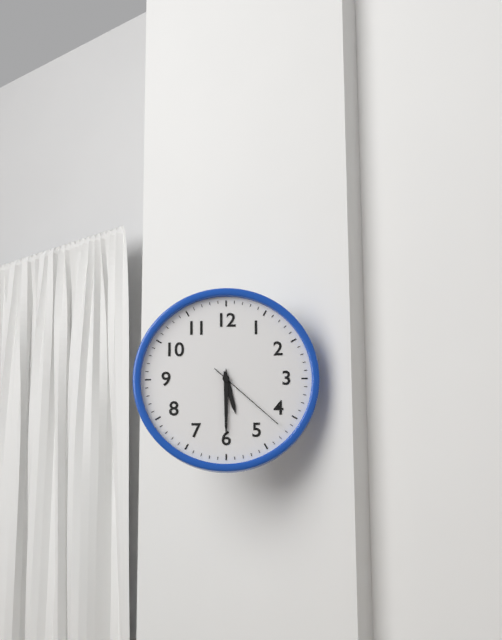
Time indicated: 5:30:22
